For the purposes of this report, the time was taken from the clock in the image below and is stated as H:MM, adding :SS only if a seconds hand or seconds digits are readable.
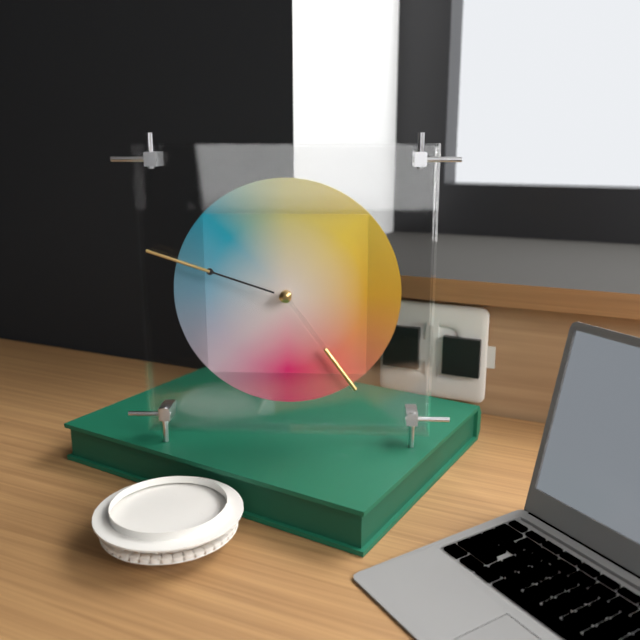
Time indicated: 4:48
